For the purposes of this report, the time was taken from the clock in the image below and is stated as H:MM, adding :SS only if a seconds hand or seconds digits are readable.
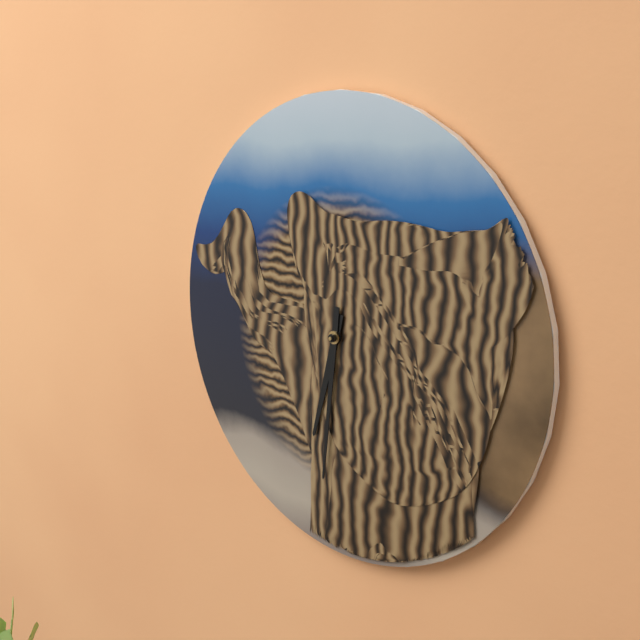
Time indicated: 6:31
